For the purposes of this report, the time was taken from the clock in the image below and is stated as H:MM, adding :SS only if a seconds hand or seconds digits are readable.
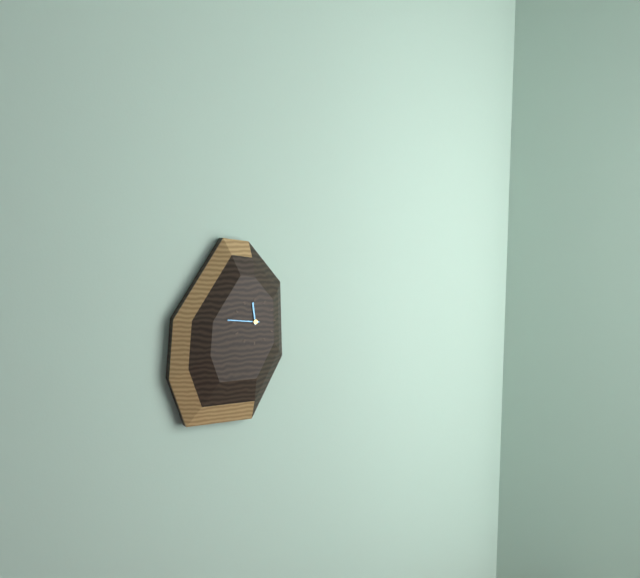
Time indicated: 11:46
